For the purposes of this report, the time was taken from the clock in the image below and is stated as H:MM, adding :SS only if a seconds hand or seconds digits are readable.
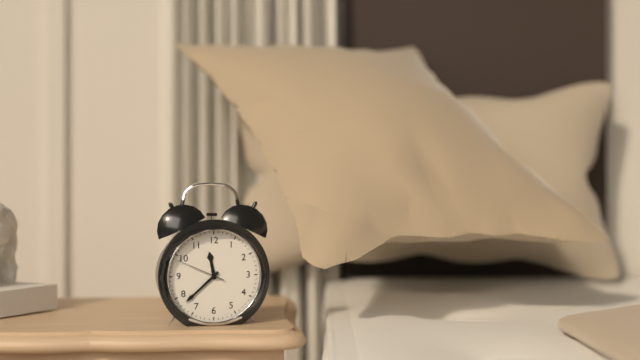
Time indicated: 11:38:49
